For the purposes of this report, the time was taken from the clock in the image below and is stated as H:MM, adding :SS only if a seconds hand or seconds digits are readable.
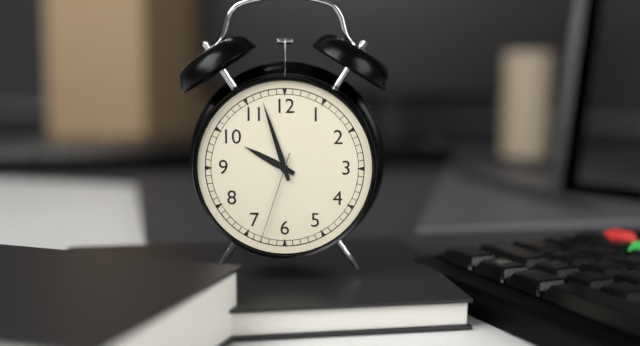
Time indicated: 9:57:33
